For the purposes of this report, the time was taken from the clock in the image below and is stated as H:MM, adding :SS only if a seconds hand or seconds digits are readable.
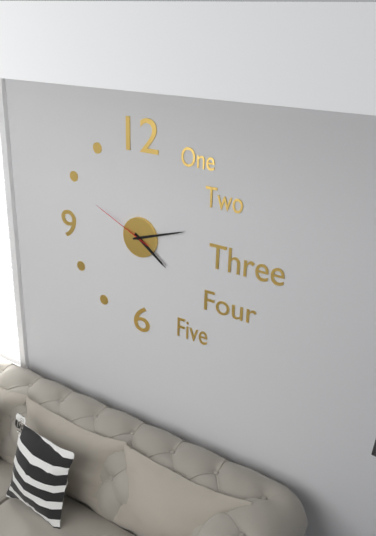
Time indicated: 4:12:49
